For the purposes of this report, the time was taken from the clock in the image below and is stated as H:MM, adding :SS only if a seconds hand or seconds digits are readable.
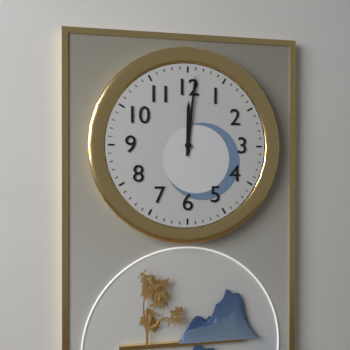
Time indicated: 12:01
